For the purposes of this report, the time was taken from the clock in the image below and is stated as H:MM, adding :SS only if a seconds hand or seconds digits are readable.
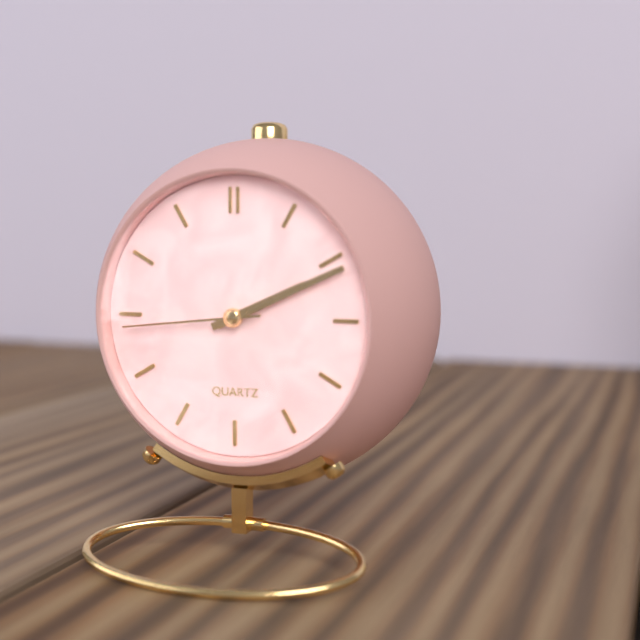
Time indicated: 2:11:44
